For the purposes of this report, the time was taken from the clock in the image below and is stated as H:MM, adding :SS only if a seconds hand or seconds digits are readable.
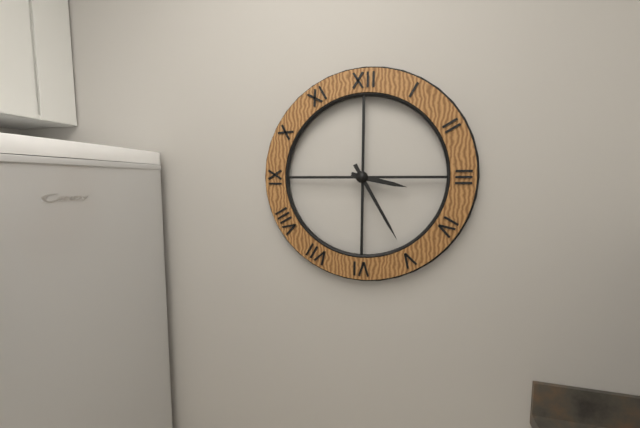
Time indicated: 3:25
